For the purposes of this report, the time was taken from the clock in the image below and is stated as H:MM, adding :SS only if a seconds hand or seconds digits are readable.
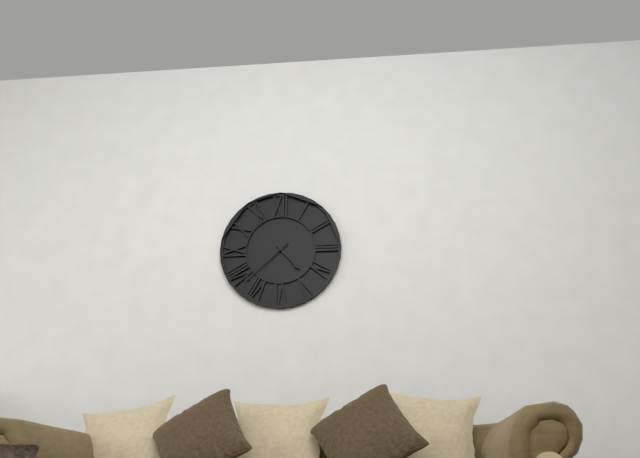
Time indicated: 4:38
